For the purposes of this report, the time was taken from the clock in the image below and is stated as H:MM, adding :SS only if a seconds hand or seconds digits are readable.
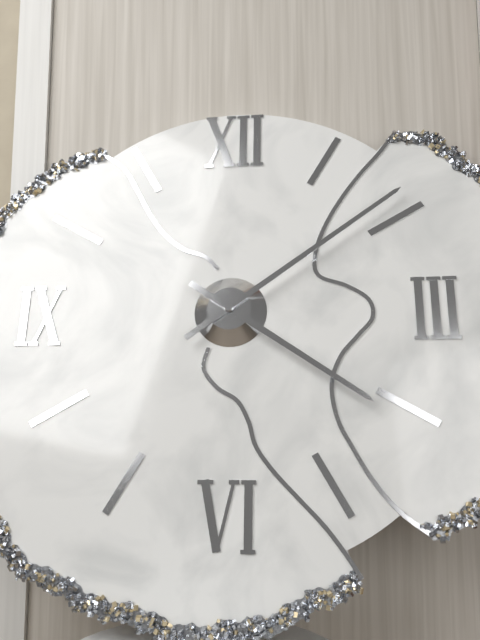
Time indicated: 4:09
